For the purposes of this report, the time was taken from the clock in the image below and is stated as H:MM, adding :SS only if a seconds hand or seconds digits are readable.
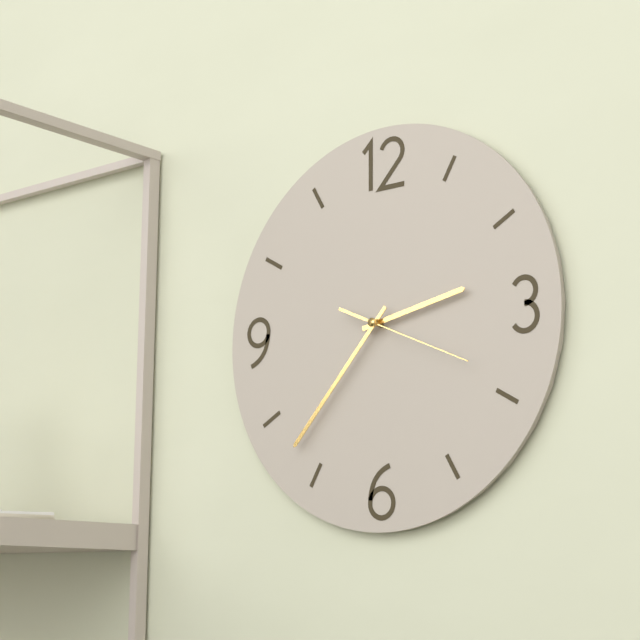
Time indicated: 2:37:19
